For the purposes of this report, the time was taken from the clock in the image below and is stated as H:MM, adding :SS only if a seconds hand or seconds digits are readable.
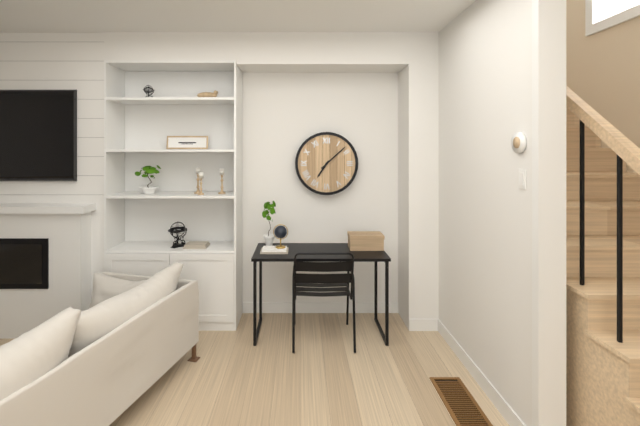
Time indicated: 7:08
